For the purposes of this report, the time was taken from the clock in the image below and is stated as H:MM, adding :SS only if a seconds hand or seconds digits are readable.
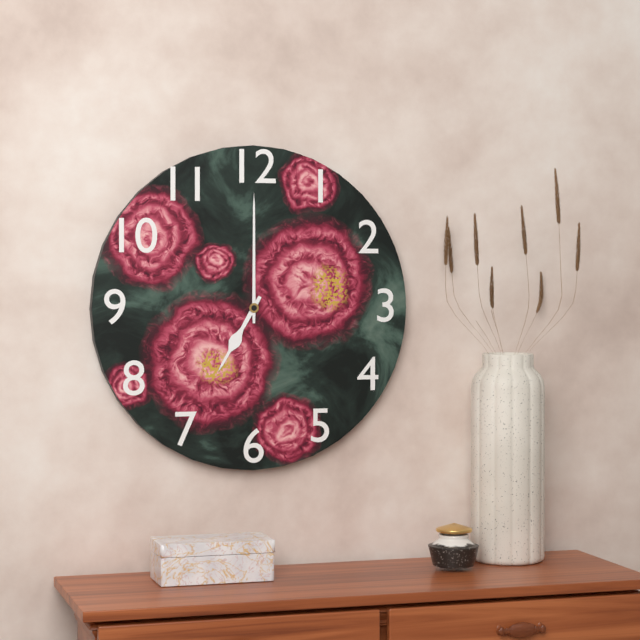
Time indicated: 7:00
